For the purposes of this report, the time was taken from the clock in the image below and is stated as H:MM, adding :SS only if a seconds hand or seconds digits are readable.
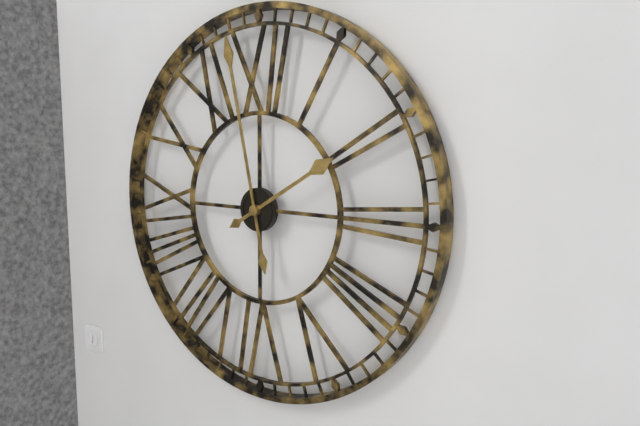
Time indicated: 1:58
